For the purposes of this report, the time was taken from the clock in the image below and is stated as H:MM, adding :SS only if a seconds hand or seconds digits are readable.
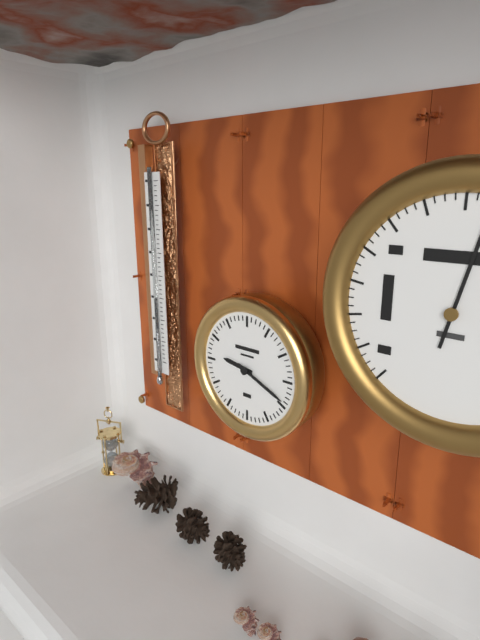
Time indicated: 9:19
